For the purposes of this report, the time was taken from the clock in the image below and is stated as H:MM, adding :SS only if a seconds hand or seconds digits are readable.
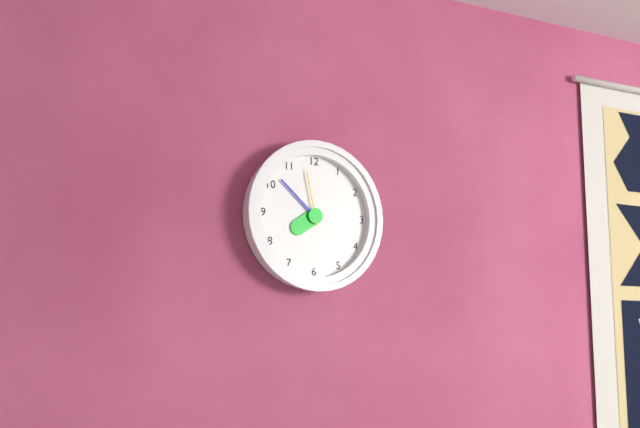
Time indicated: 7:52:58
